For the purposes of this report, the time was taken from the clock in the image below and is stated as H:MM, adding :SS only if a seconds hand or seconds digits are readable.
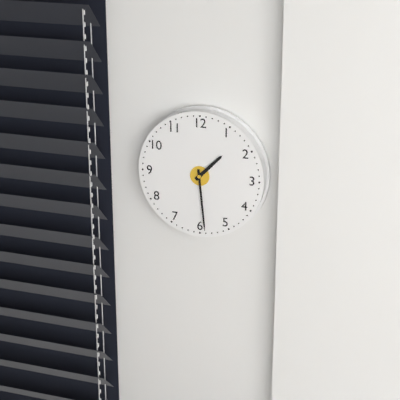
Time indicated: 1:29
